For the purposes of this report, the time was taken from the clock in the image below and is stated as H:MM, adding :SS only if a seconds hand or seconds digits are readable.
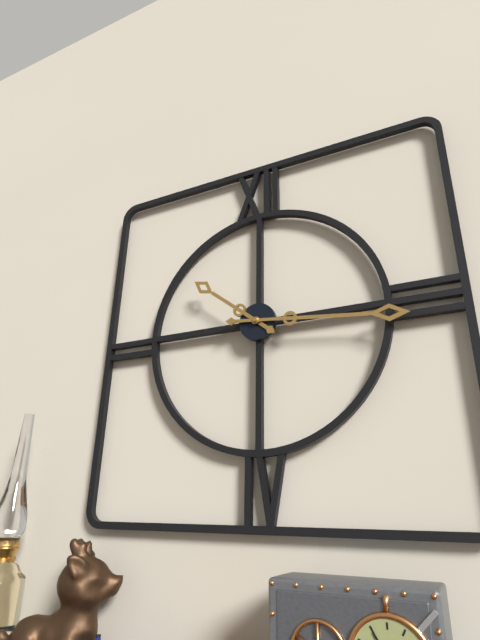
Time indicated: 10:16
